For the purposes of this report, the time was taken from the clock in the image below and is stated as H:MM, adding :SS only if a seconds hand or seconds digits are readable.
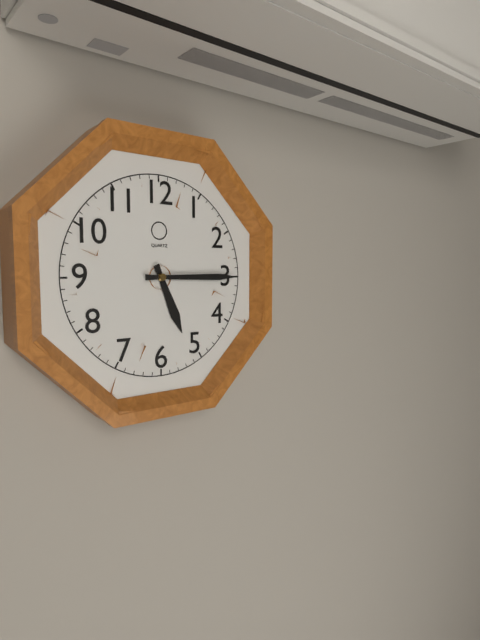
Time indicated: 5:15
